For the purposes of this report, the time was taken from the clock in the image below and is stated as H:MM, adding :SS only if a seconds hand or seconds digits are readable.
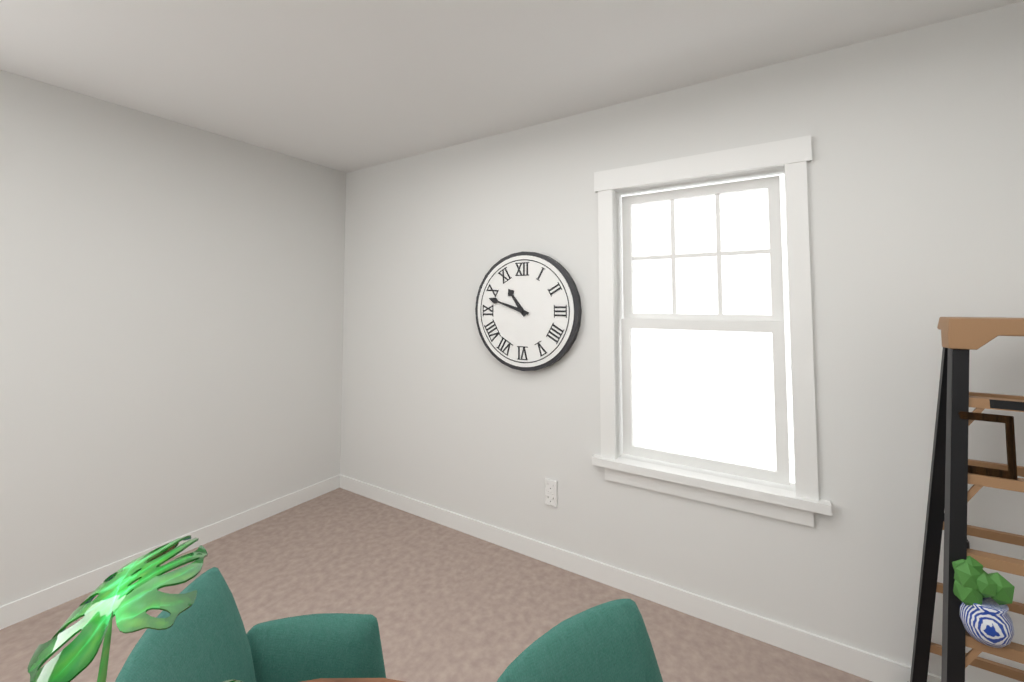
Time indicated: 10:48
